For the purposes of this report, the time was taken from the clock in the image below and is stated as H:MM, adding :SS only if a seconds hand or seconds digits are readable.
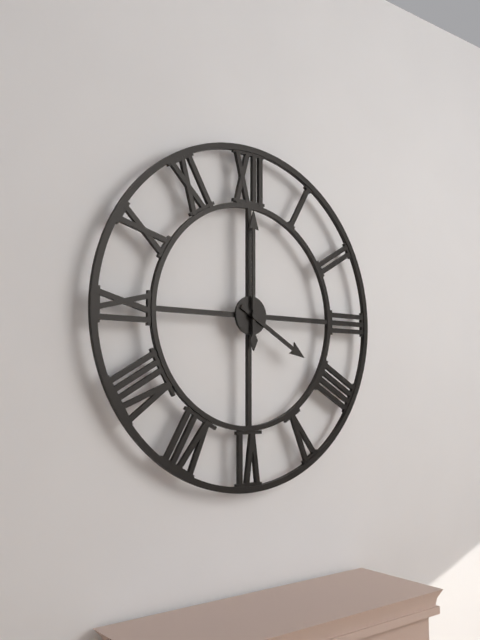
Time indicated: 4:00
